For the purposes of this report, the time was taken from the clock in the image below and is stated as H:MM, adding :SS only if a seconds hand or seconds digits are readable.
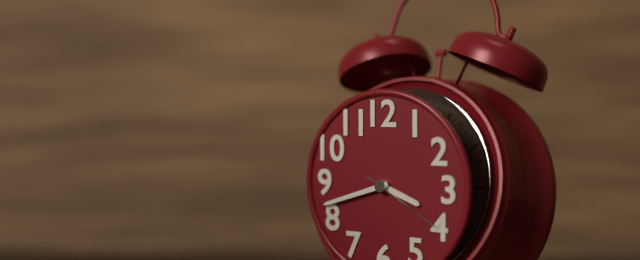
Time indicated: 3:42:20
